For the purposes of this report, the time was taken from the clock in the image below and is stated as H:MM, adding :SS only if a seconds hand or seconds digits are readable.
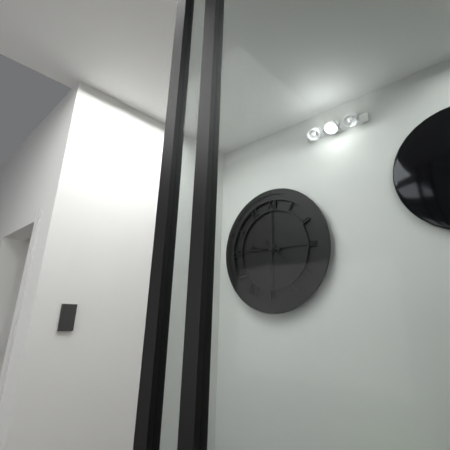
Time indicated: 9:22
